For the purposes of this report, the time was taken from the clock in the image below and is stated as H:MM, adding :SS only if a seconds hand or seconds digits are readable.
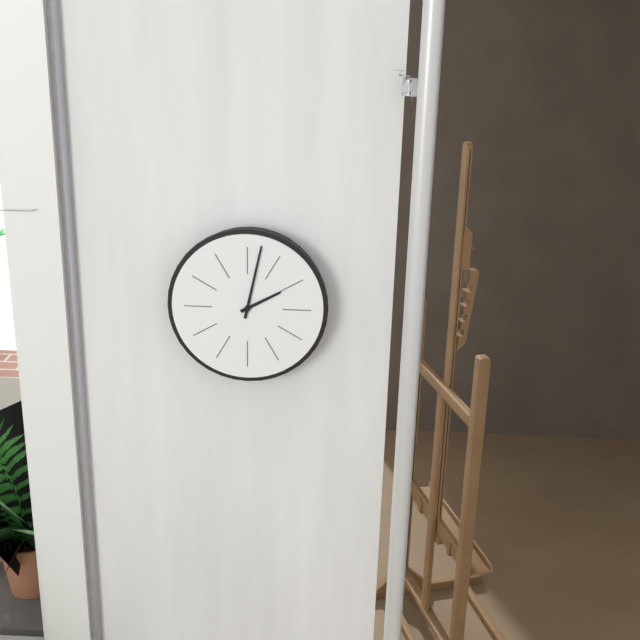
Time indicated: 2:02
